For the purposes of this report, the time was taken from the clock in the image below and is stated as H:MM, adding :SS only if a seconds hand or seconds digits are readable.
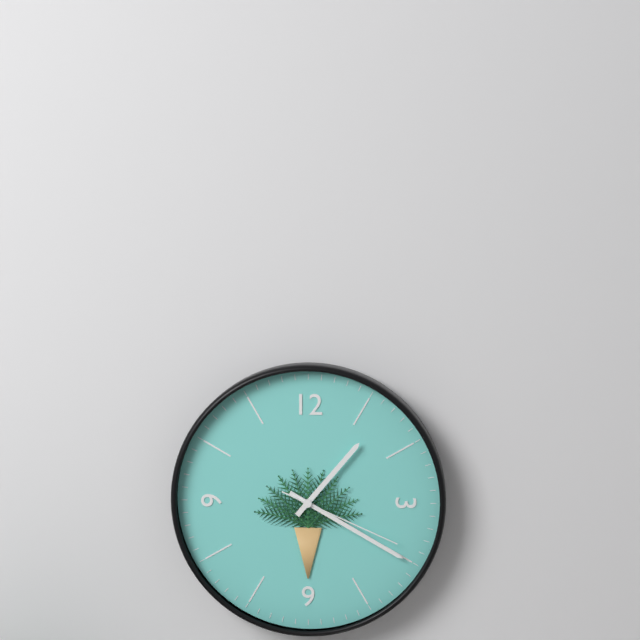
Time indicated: 1:20:19
